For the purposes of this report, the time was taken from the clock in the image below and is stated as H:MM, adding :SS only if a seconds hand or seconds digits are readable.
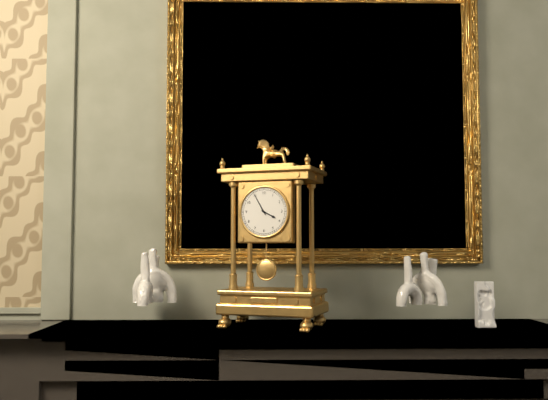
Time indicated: 3:55
